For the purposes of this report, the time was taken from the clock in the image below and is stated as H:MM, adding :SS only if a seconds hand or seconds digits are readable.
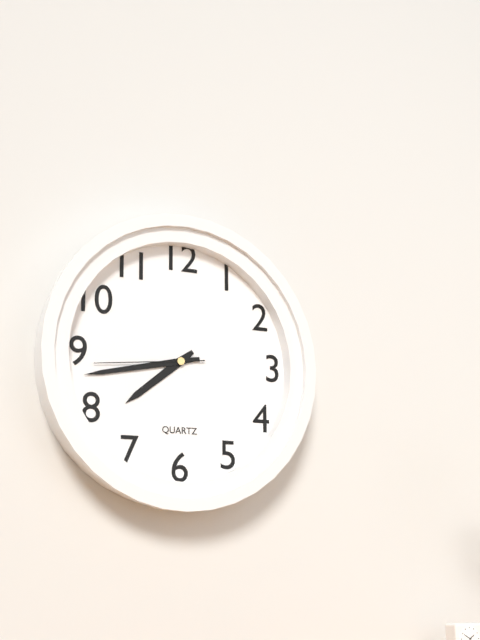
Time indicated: 7:43:44
